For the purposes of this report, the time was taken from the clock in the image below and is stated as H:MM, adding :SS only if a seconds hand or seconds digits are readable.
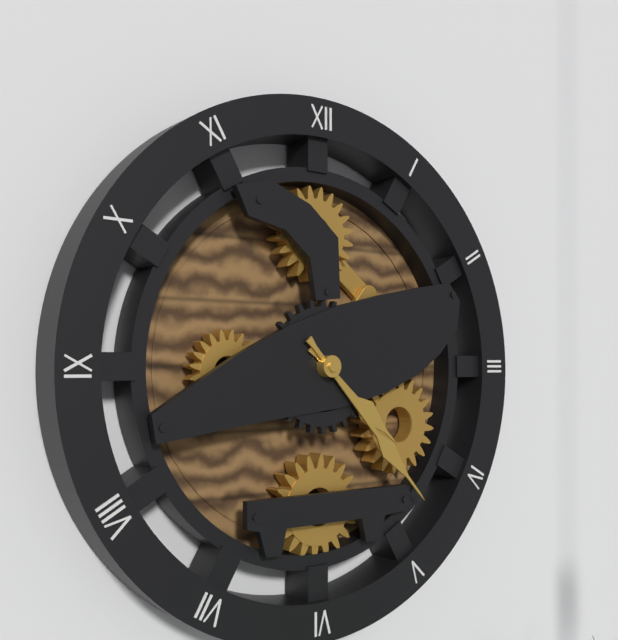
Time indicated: 4:23
